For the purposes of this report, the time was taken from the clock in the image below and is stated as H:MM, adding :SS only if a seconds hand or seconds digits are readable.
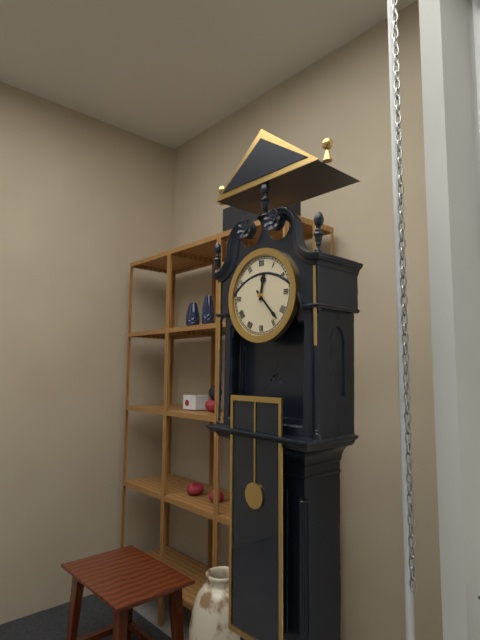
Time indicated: 12:23
